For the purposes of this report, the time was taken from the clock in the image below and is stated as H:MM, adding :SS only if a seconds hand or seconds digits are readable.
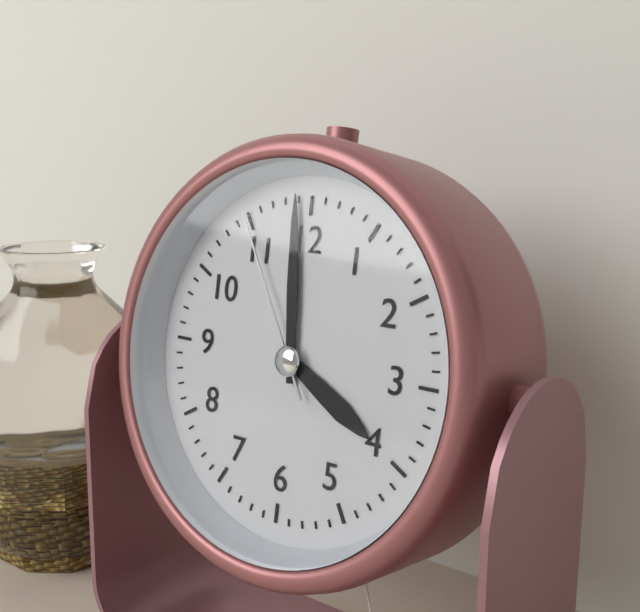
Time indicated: 3:59:55
